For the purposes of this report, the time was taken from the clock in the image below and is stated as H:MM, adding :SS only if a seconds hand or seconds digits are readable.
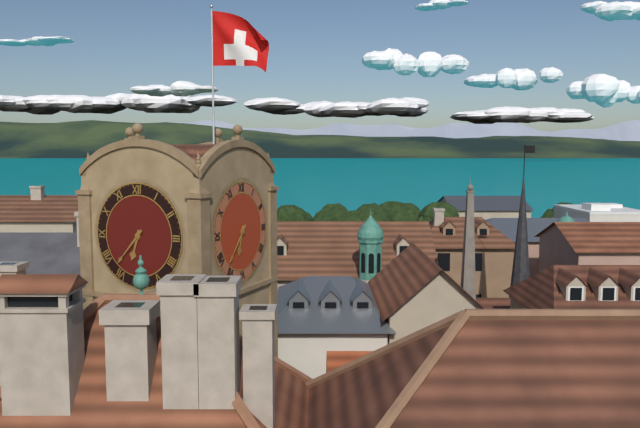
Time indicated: 6:37
